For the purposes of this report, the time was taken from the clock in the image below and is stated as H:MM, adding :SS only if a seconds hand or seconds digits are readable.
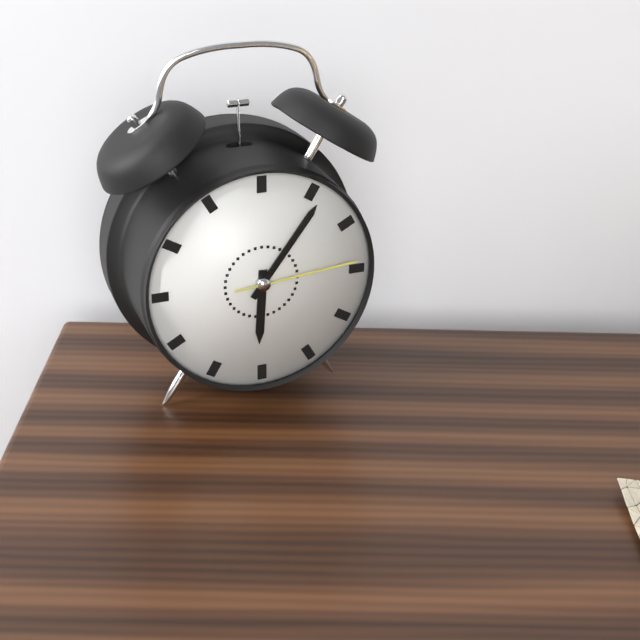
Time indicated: 6:06:14
